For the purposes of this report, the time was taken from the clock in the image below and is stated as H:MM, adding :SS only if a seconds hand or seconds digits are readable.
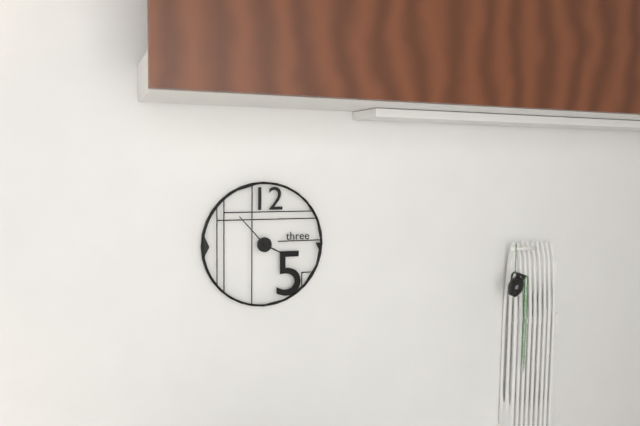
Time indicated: 3:53
